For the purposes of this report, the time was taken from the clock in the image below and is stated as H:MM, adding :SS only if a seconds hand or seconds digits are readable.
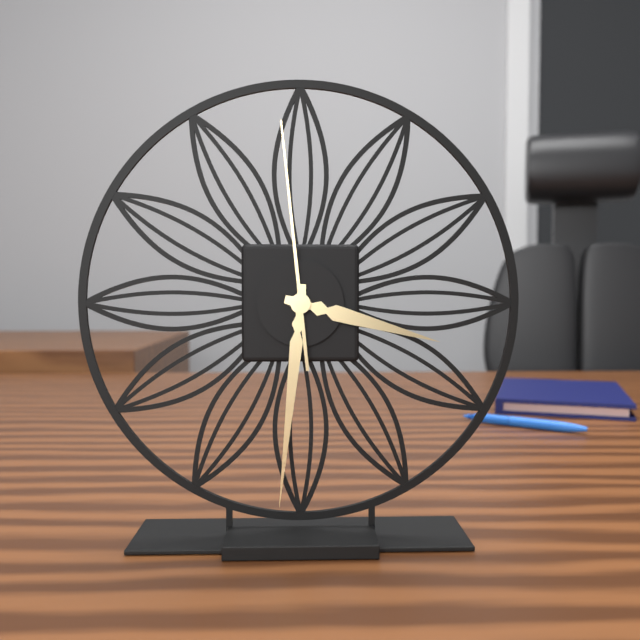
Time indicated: 3:31:59
